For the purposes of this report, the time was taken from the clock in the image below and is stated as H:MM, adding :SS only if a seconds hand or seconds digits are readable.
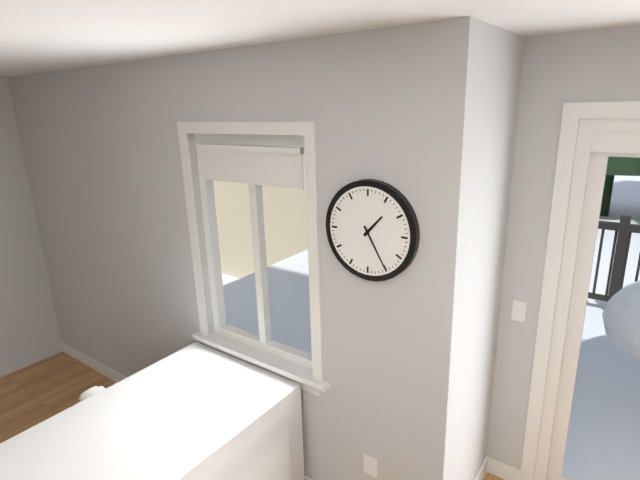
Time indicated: 1:25
